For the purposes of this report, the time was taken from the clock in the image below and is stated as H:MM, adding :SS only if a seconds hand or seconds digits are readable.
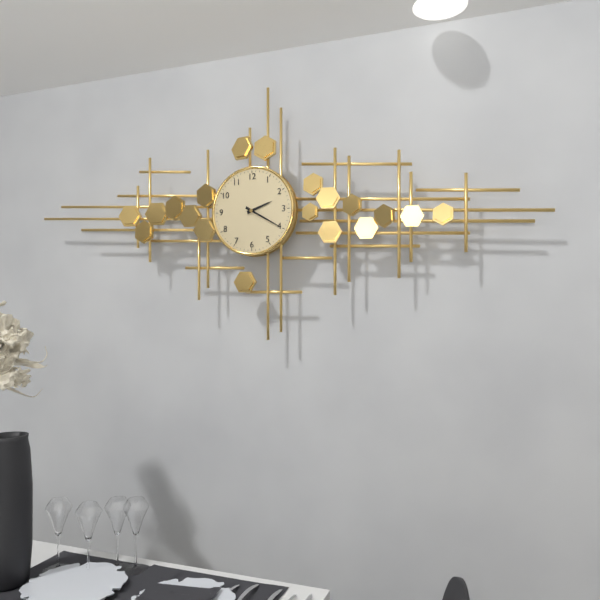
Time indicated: 2:20
